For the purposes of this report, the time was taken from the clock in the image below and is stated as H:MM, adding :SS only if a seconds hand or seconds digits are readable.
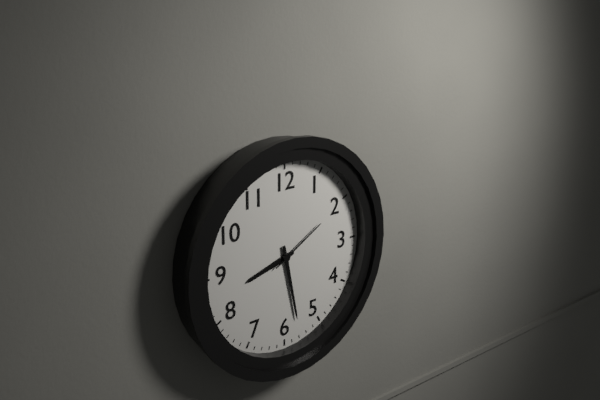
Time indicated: 8:28:10
